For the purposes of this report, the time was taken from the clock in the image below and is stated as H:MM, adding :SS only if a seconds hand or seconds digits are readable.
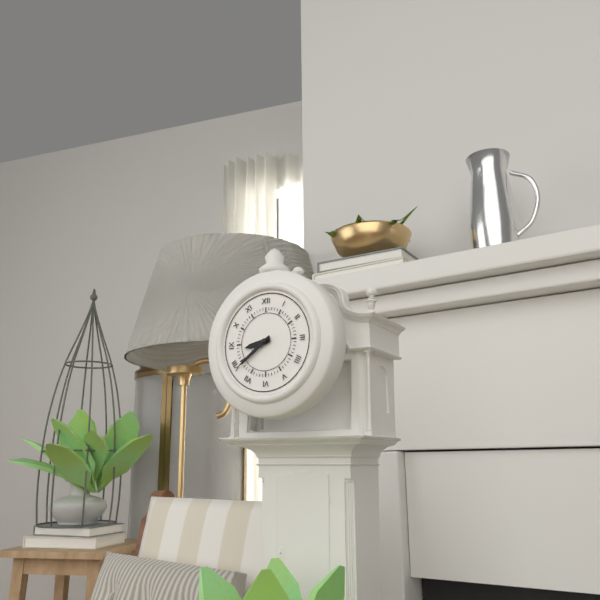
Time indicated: 8:39
